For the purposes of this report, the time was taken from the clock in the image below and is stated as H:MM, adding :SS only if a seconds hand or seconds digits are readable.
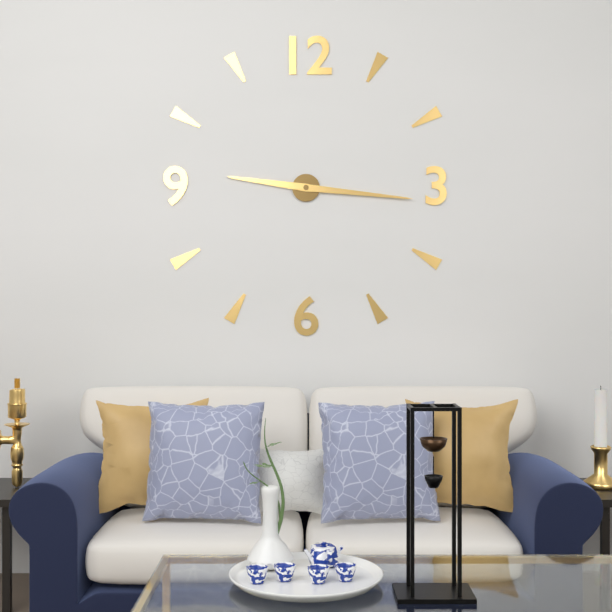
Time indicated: 9:16
